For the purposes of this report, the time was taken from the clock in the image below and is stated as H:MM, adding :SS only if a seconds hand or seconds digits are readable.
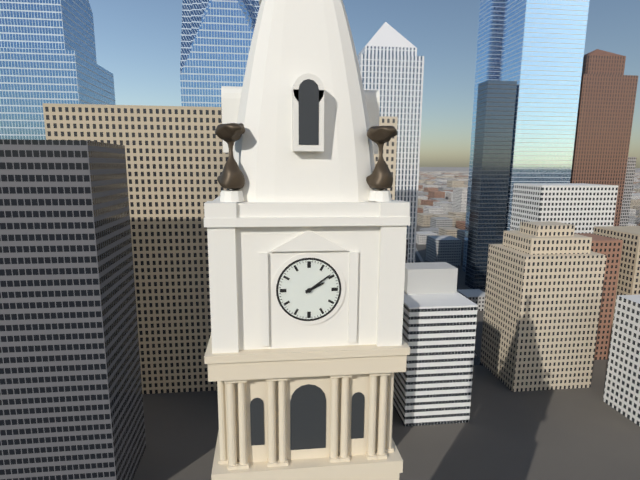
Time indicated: 2:09
